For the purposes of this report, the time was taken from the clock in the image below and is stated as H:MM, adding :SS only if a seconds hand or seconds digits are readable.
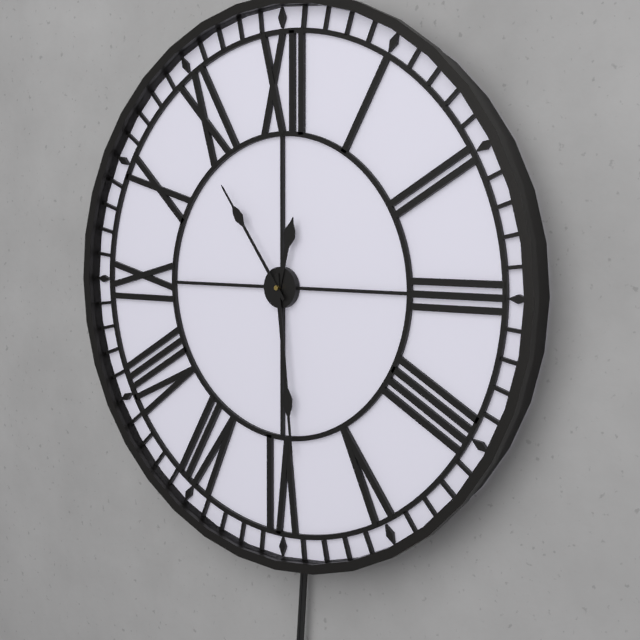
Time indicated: 12:29:54
